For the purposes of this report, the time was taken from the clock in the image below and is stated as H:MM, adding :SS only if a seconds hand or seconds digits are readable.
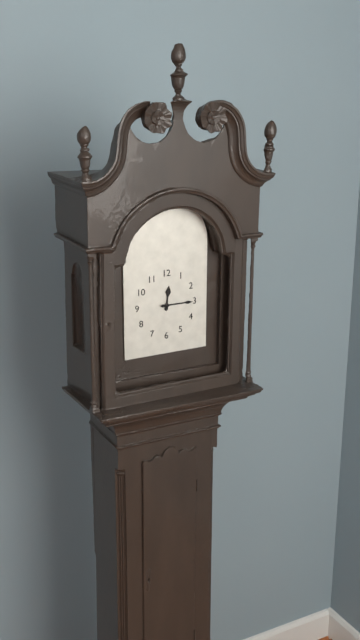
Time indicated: 12:15
